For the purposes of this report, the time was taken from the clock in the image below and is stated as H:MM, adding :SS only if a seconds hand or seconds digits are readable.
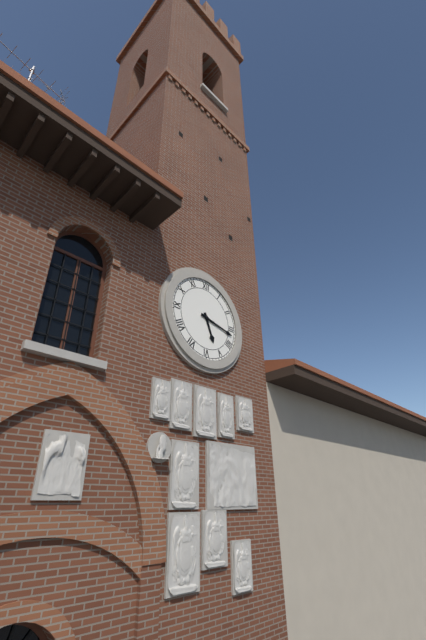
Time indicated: 5:17
